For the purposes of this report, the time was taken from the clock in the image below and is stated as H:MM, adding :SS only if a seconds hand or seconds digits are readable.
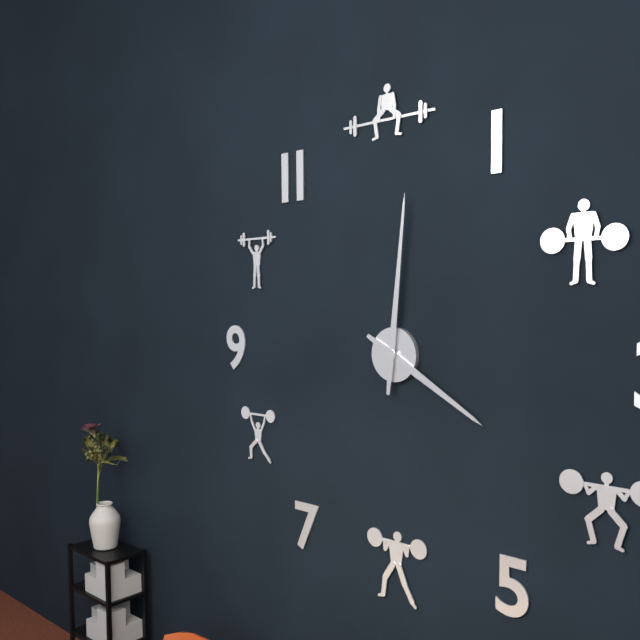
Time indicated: 4:01
